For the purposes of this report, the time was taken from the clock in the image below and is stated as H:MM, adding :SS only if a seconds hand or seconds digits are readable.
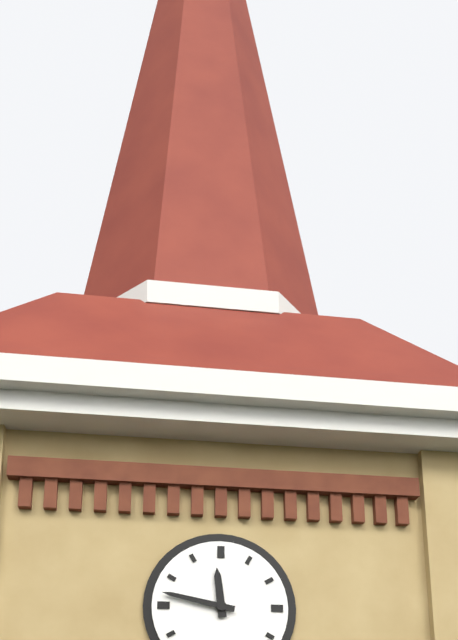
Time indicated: 11:47
